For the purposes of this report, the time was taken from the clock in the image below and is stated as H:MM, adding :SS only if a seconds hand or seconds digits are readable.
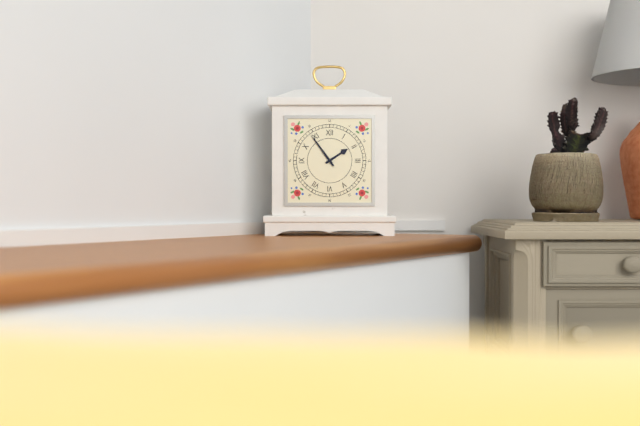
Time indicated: 1:54
